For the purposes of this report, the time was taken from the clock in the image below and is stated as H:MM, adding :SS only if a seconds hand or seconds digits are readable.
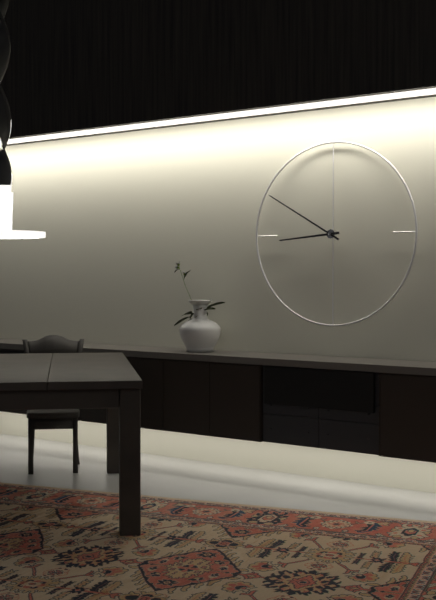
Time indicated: 8:50
